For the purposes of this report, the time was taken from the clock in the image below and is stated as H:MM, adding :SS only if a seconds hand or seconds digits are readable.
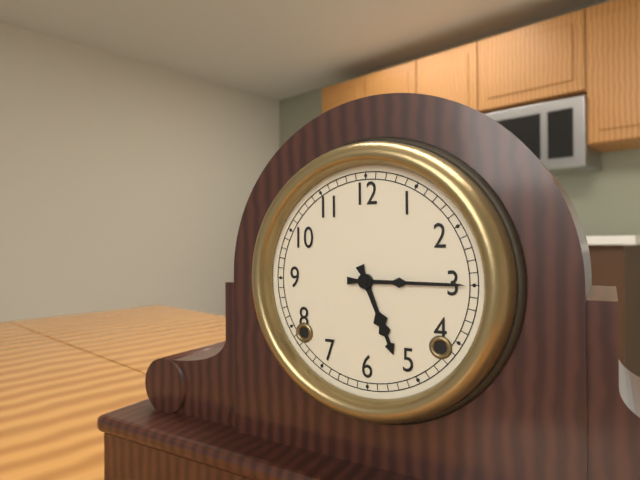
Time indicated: 5:15
